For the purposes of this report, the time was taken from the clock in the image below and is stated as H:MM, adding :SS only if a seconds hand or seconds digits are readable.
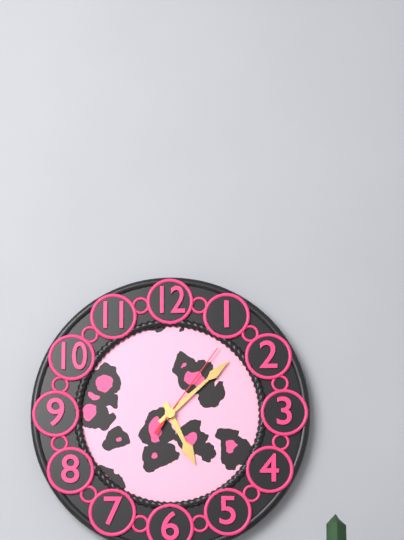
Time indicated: 5:08:06
